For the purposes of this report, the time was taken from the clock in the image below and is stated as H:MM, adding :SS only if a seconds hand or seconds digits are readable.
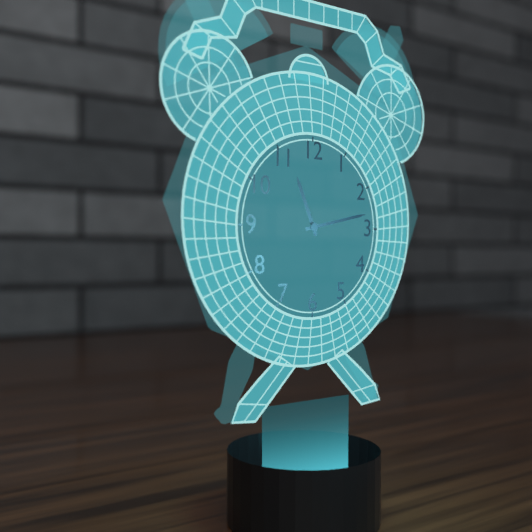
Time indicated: 11:13
